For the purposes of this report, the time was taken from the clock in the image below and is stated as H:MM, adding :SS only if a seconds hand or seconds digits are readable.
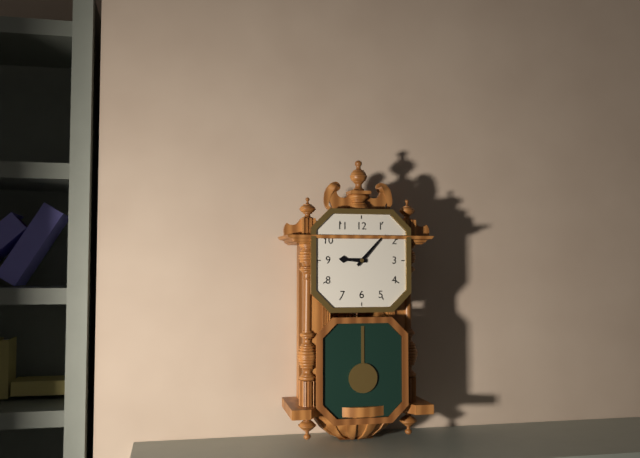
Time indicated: 9:07
